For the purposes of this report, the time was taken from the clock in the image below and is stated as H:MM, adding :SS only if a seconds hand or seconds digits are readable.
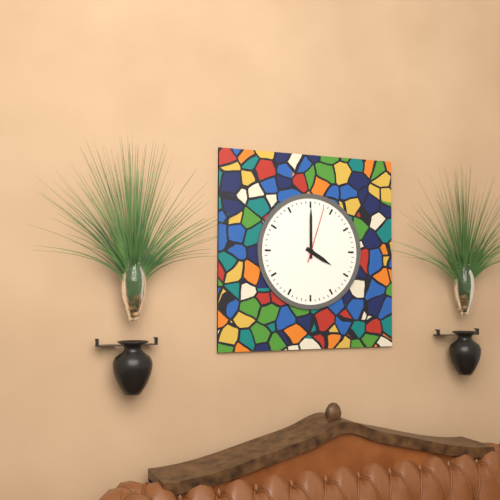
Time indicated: 4:00:03
